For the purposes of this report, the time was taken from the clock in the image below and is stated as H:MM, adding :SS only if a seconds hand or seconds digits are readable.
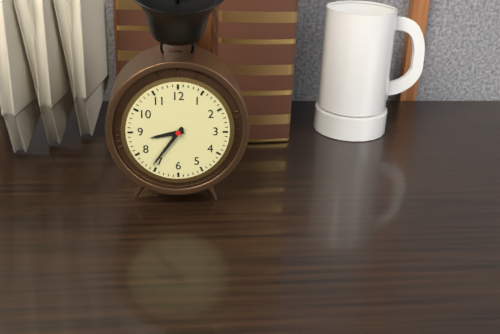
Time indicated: 8:36
